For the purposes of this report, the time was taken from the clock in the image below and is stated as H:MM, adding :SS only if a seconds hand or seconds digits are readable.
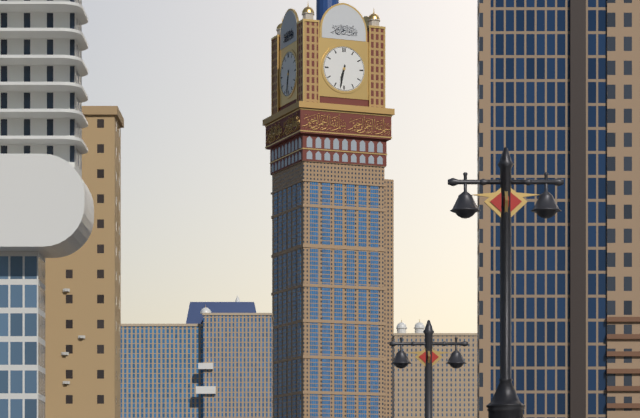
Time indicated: 6:32
